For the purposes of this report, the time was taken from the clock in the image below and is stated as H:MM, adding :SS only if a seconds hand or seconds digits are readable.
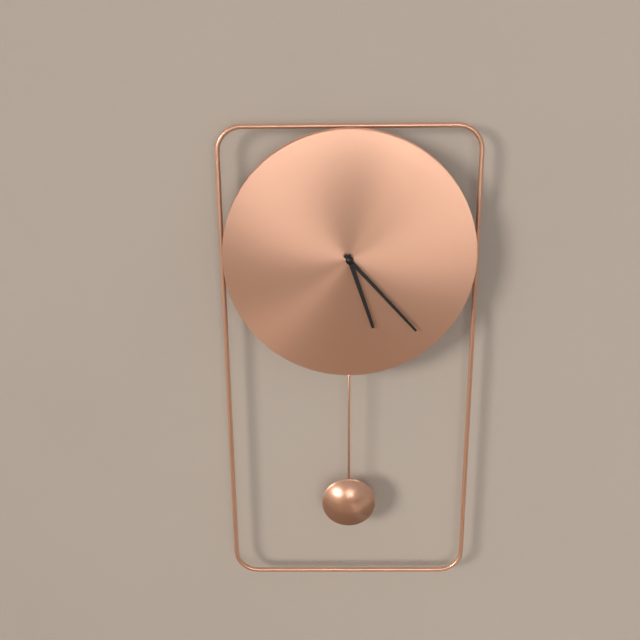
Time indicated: 5:23
